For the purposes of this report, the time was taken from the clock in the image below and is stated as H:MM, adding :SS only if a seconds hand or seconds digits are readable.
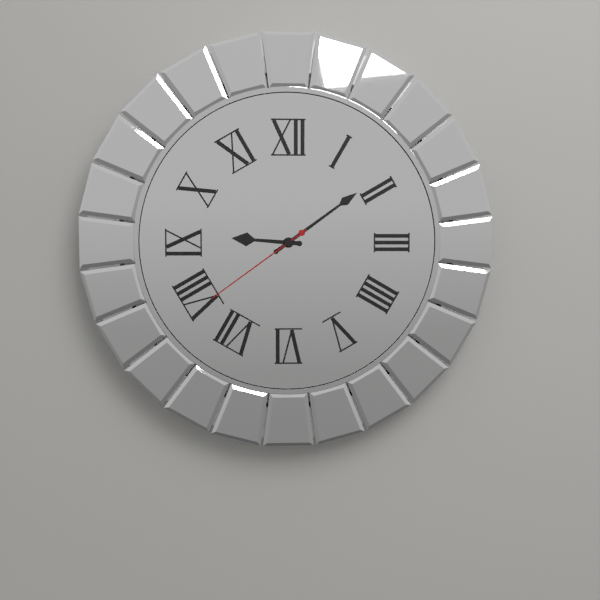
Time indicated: 9:09:39
